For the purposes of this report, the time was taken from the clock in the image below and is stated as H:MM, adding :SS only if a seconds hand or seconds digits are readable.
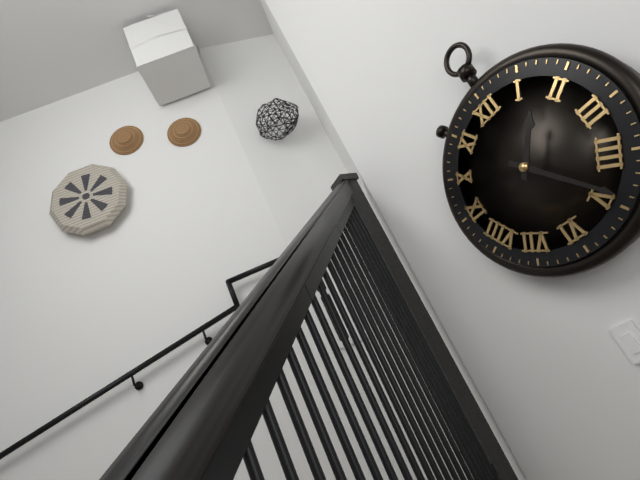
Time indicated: 1:24
